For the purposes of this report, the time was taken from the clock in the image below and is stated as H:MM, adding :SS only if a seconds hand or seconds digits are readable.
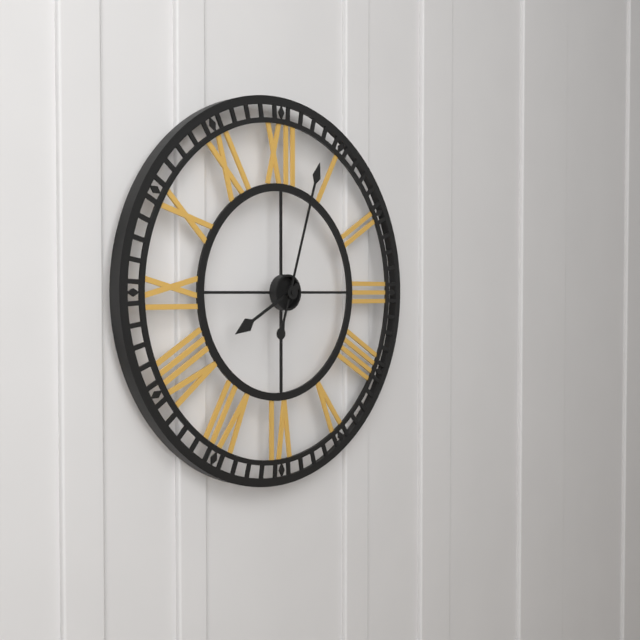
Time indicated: 8:03
